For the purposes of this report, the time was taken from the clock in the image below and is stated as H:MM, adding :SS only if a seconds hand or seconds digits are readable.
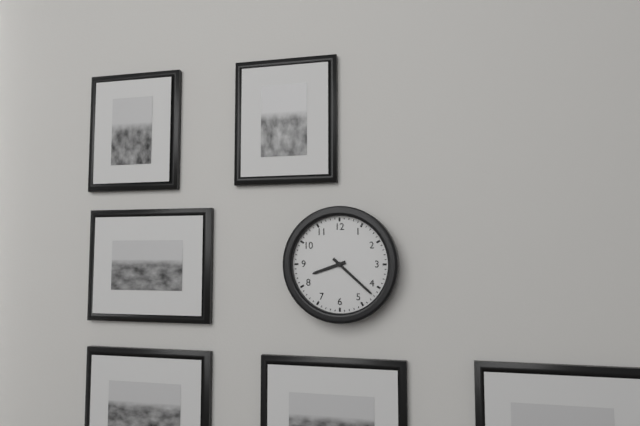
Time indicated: 8:22
